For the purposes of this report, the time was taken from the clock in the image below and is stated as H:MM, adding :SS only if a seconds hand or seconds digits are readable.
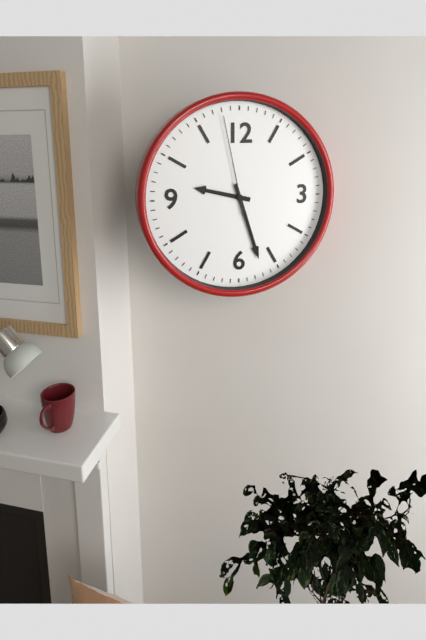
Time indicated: 9:27:58
